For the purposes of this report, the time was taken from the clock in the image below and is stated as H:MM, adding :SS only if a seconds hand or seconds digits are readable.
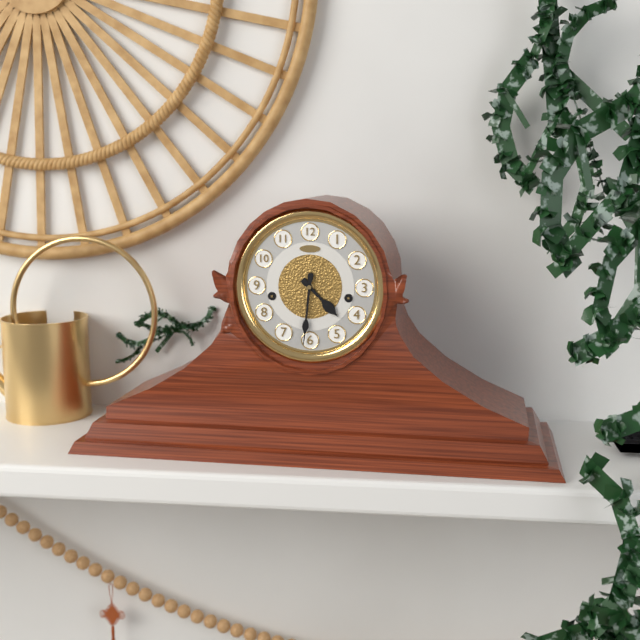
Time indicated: 4:31
